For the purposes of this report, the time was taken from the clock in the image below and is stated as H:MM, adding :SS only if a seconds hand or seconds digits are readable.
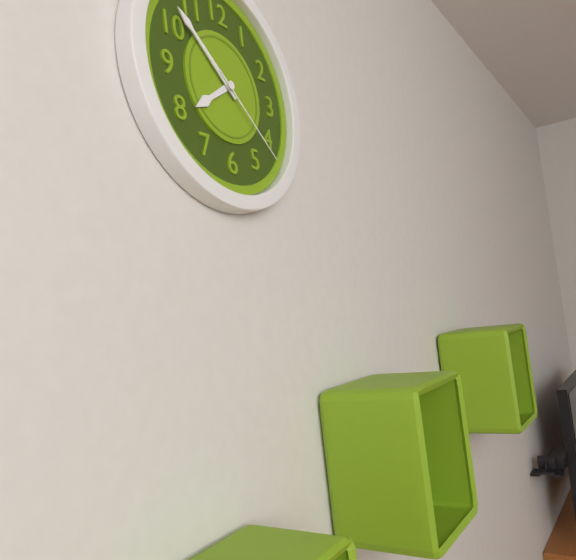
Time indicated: 7:52:22
